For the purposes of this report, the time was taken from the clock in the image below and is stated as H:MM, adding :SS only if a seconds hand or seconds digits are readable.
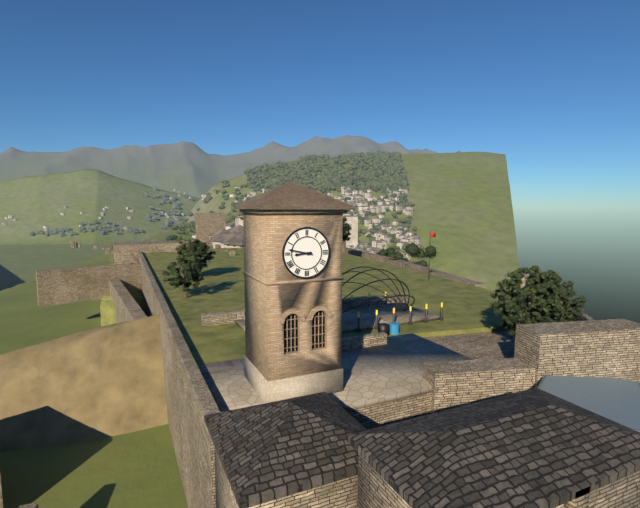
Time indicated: 8:47
